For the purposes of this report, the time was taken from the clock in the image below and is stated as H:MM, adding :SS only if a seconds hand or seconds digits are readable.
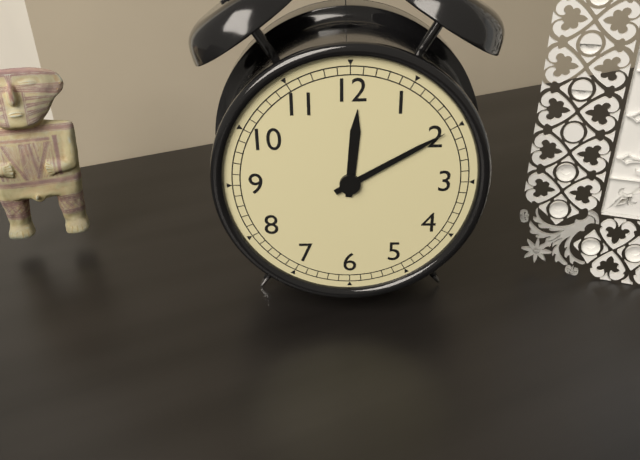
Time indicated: 12:10
